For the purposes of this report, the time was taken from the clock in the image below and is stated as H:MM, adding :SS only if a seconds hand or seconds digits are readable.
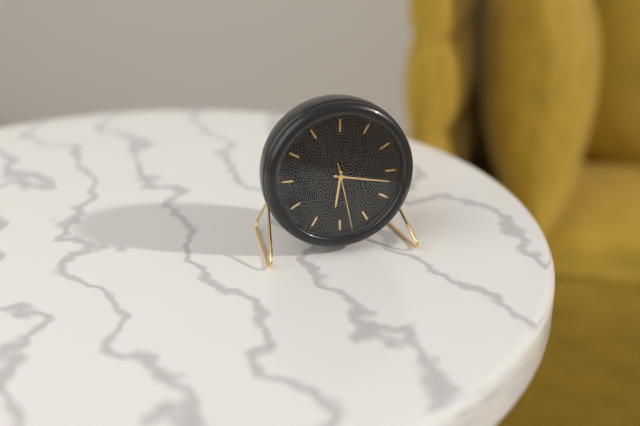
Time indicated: 6:17:28
